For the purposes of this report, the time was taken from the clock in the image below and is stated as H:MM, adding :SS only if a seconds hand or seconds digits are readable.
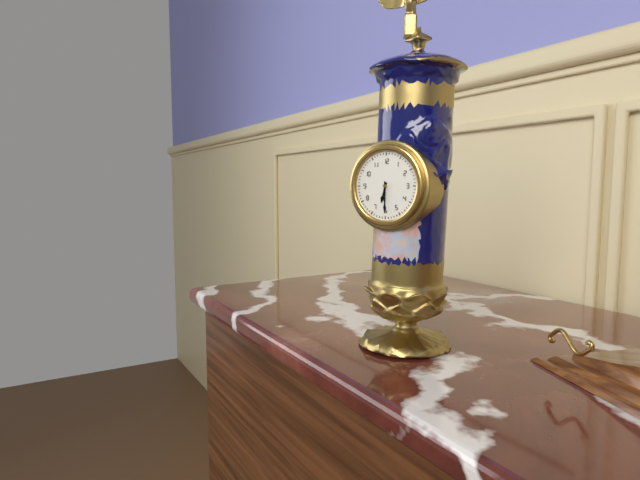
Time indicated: 6:30
